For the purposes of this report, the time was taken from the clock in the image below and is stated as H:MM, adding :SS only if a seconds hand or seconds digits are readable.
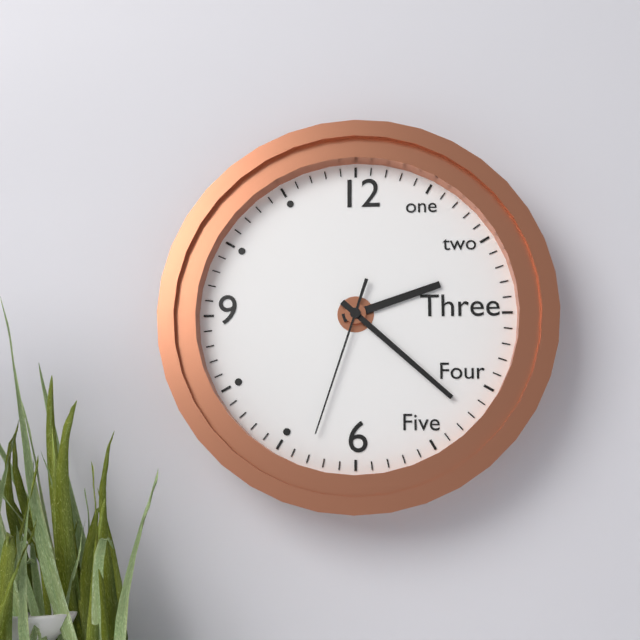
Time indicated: 2:22:33
